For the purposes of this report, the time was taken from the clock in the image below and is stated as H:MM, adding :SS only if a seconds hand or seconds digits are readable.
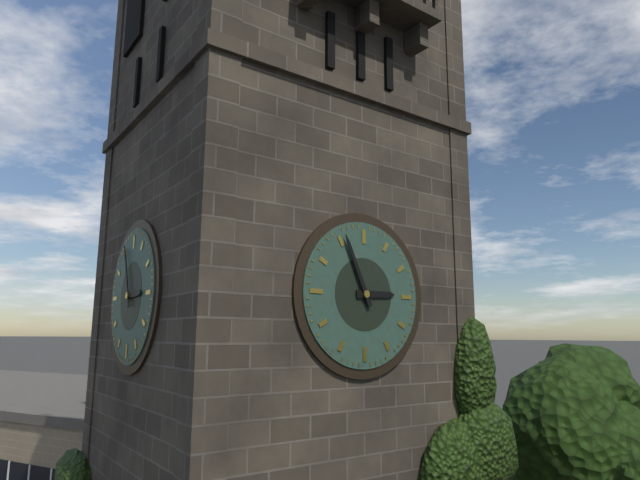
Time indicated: 2:56
